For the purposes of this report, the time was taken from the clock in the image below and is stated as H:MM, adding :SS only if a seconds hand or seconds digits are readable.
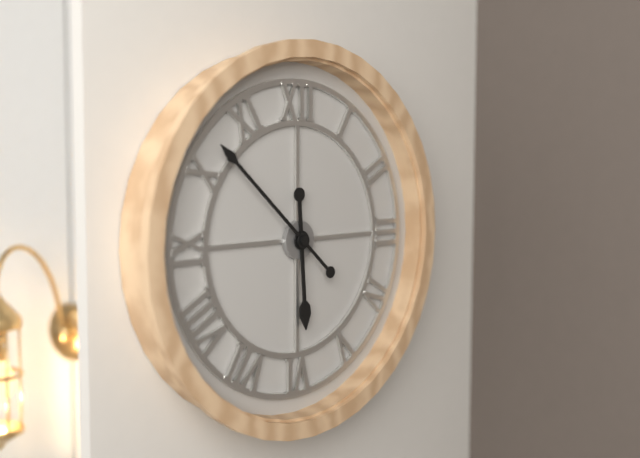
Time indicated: 5:52
